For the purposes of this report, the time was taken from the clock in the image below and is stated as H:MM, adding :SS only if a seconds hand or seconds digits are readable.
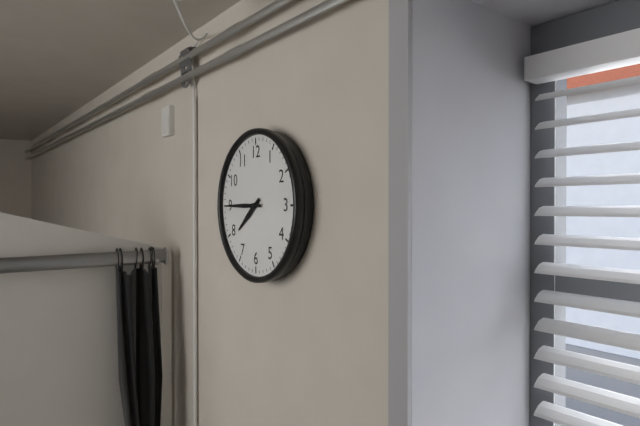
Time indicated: 7:45
